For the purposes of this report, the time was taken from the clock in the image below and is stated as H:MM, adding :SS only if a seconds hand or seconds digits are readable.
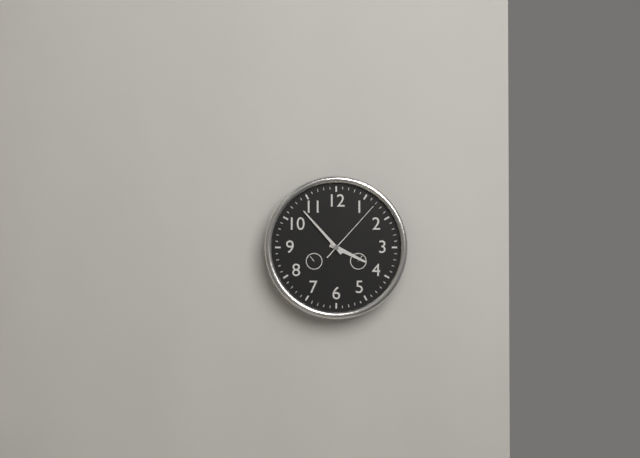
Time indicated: 3:53:07
